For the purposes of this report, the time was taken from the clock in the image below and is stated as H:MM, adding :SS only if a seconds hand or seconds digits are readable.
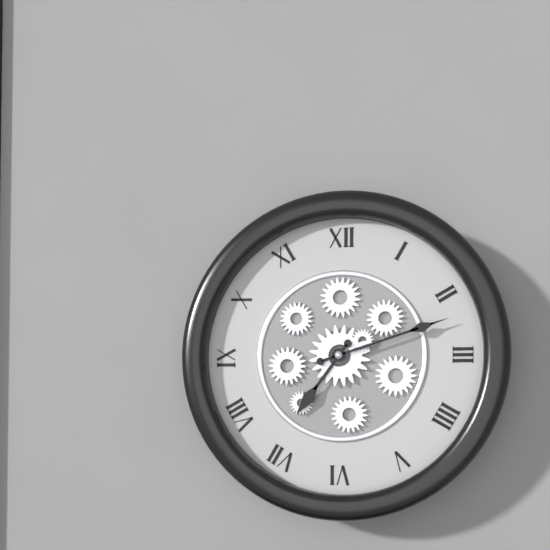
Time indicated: 7:12
